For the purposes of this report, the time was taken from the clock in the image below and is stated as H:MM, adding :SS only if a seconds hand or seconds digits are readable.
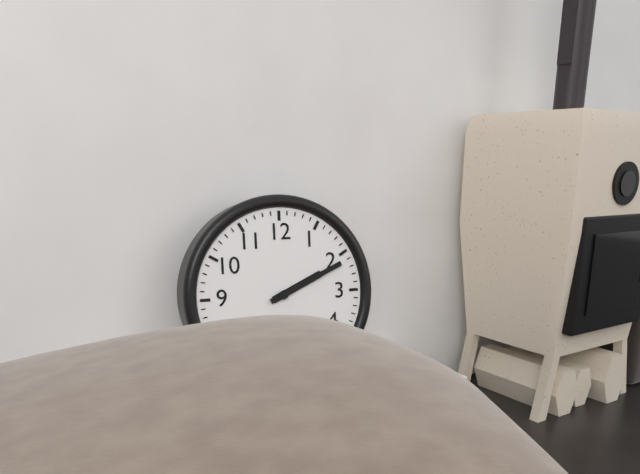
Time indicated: 2:11
